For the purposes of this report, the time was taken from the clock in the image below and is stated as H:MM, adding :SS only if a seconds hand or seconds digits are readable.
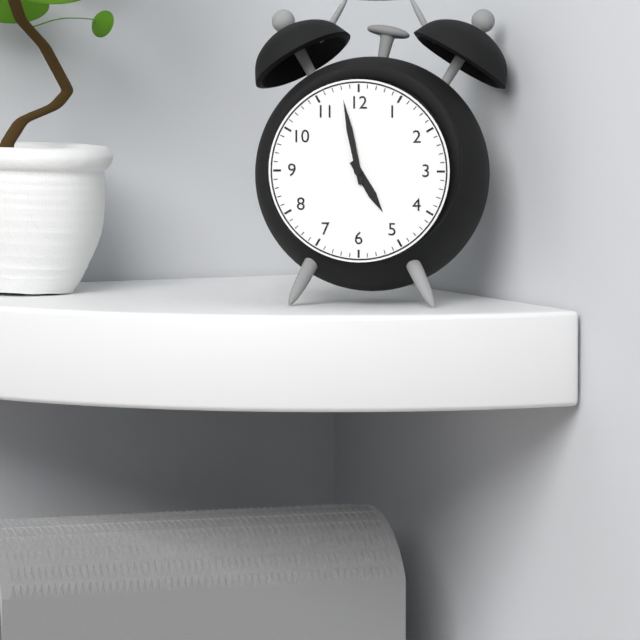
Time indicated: 4:58
